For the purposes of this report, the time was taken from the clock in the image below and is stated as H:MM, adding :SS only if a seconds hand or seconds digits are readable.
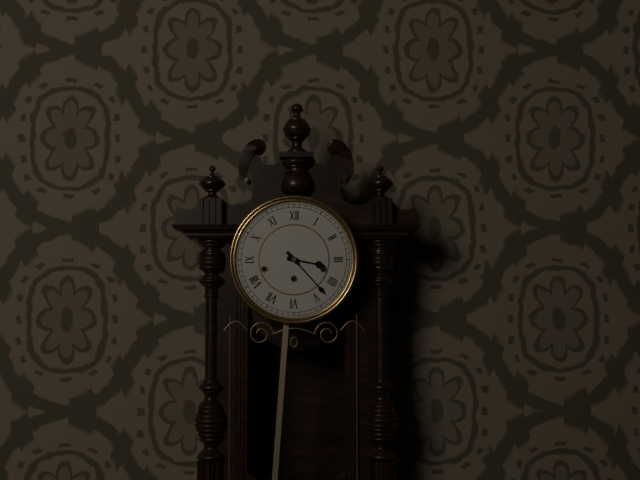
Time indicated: 3:23
